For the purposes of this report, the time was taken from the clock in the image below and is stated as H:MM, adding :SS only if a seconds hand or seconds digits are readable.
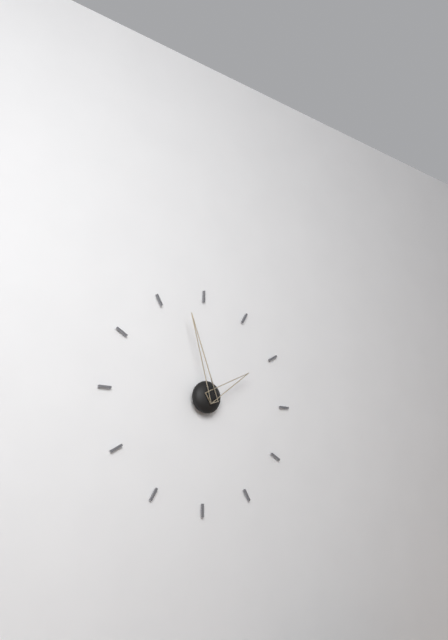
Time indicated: 1:57
